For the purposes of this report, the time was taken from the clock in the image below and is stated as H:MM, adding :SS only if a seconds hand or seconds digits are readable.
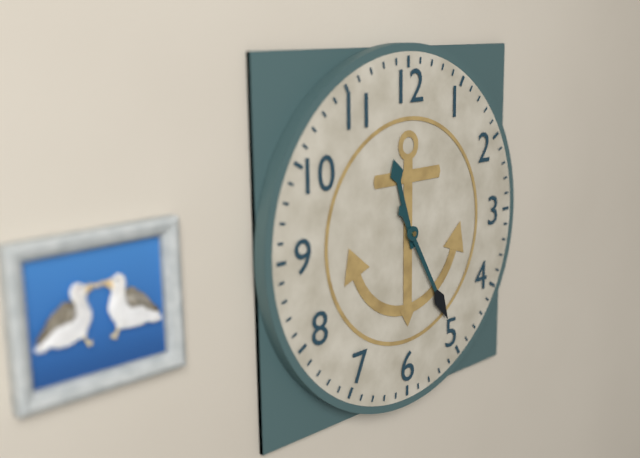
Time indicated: 11:25
